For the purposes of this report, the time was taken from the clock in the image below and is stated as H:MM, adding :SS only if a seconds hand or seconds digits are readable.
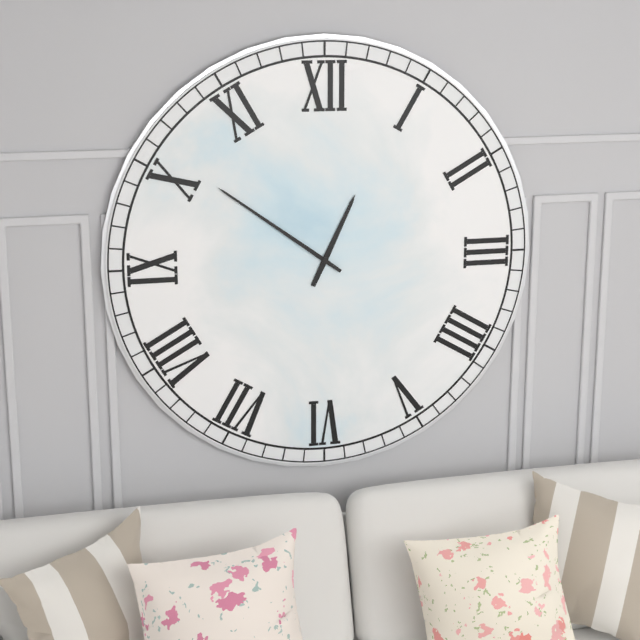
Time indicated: 12:51
